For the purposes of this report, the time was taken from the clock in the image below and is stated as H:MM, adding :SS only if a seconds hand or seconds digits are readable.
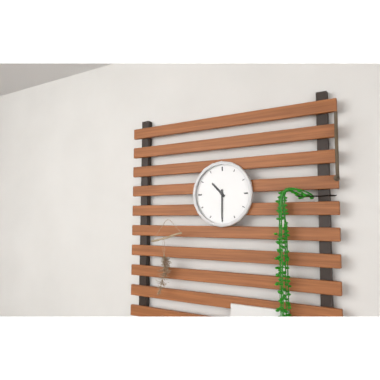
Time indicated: 10:30
